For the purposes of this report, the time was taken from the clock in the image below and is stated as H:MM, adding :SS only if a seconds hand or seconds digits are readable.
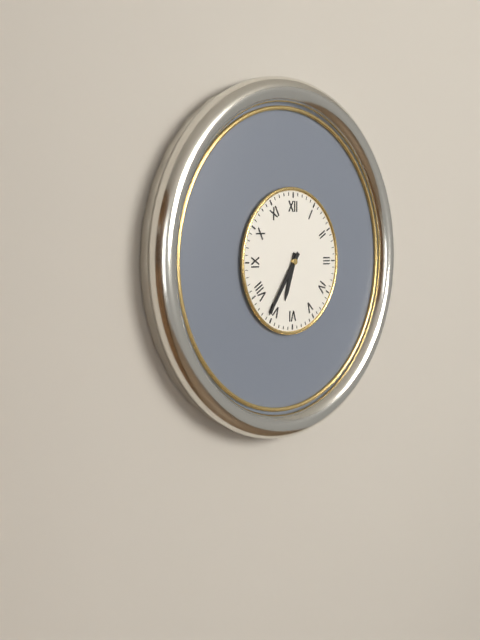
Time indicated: 6:36
